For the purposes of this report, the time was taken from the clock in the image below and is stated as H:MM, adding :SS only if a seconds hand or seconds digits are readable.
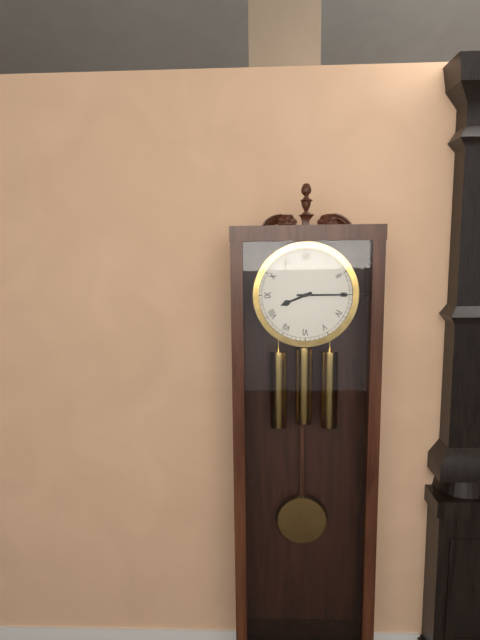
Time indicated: 8:15
